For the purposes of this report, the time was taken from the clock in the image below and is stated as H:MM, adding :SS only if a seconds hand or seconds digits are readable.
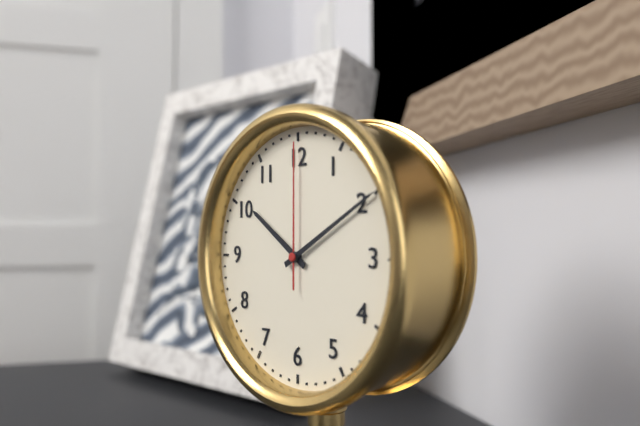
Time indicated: 10:10:00
